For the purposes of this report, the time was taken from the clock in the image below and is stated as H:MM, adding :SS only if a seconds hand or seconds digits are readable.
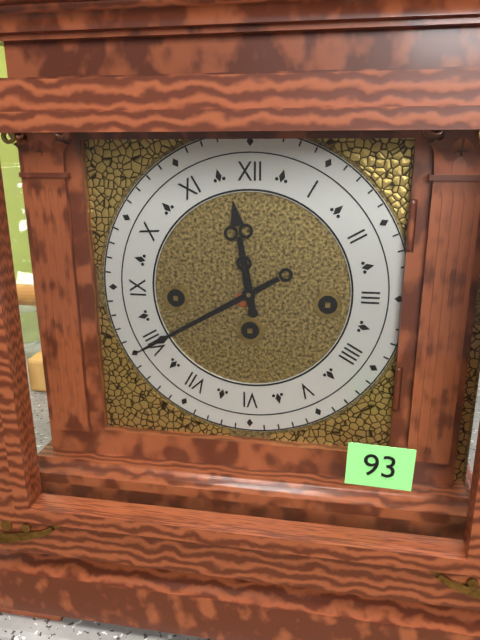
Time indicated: 11:40
